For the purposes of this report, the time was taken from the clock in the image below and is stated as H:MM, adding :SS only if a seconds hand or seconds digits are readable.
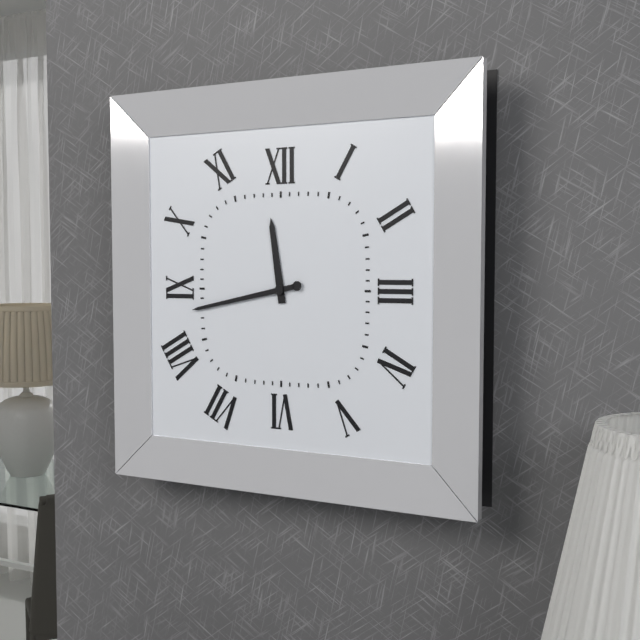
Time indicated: 11:43
